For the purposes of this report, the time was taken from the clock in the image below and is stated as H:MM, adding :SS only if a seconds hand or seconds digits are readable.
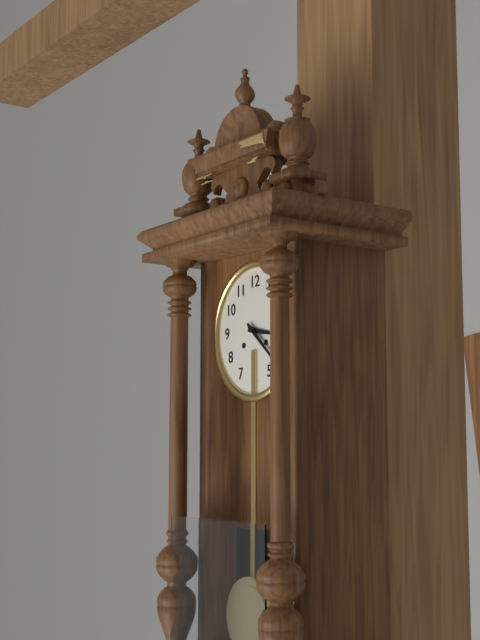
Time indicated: 3:22
